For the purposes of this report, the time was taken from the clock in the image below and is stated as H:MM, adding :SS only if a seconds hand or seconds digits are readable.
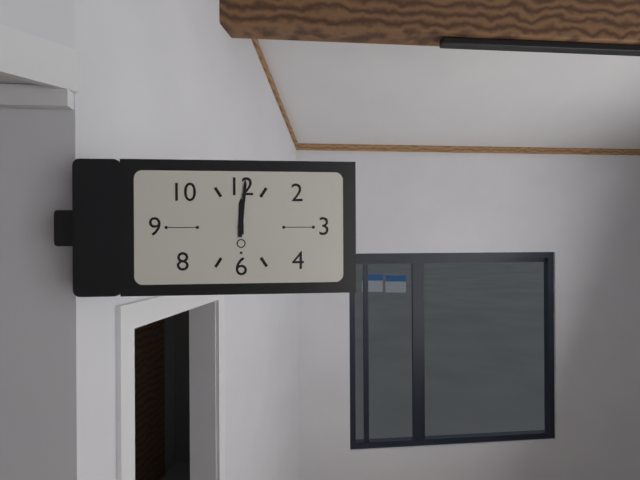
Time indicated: 12:01
